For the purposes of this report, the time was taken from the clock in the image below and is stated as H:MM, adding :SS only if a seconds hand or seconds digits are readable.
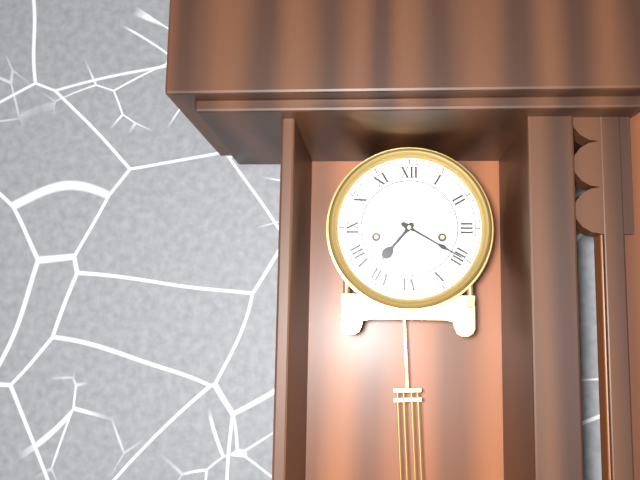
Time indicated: 7:20
